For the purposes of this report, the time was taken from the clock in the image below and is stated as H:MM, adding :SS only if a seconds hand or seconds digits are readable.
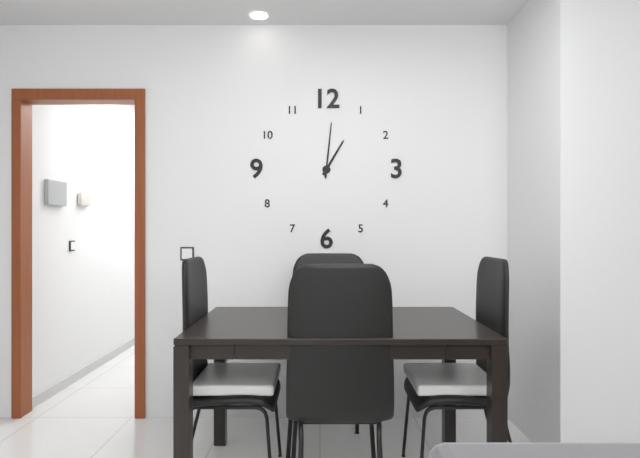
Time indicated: 1:01
